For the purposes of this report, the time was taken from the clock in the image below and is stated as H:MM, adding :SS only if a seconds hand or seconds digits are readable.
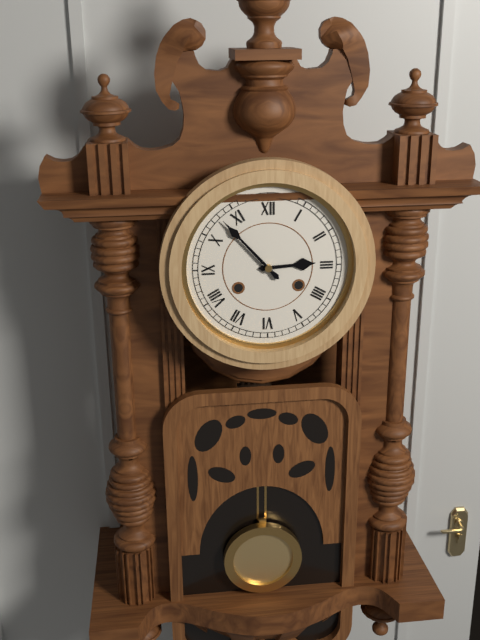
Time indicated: 2:53
